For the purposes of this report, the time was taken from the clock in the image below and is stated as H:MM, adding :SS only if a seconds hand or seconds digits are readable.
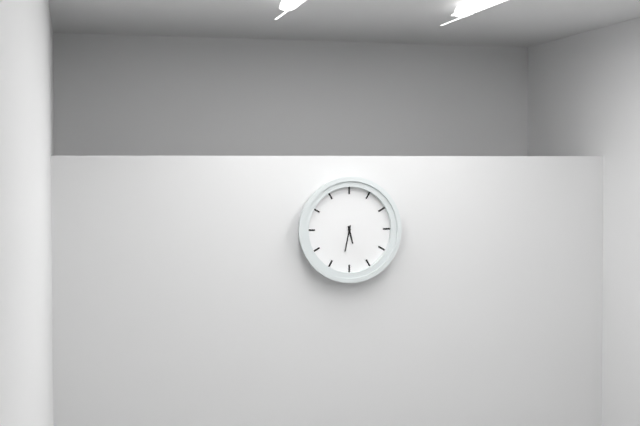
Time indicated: 5:32
